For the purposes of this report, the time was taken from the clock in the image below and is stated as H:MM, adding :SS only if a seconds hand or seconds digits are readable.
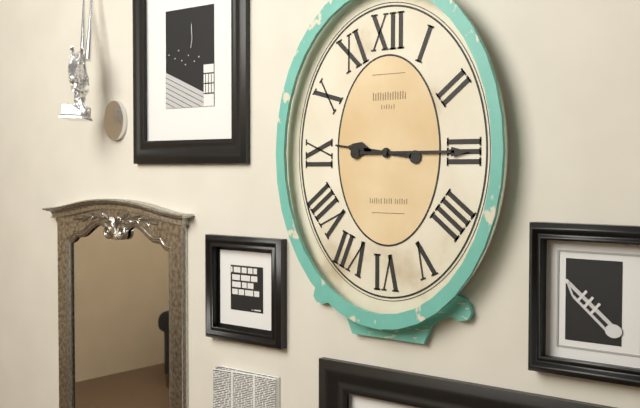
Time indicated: 9:15
